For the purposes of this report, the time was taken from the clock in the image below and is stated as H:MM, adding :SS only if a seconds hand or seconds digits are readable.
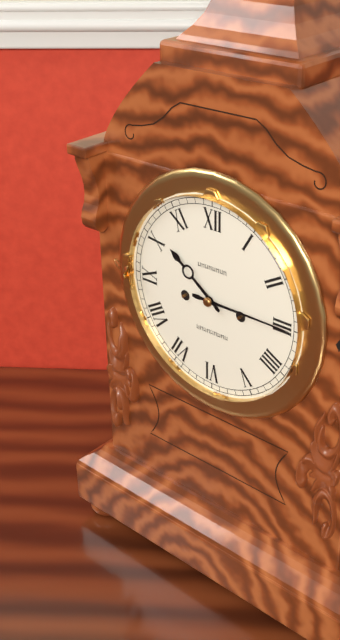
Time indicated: 10:15
